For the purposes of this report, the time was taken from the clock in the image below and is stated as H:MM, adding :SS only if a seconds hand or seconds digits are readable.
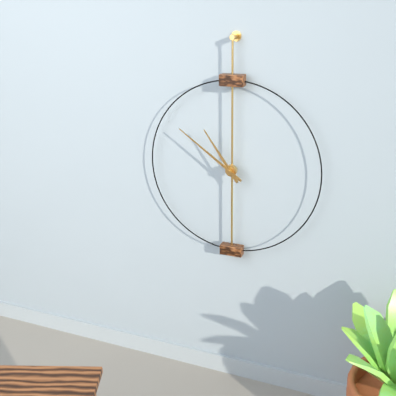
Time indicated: 10:51
